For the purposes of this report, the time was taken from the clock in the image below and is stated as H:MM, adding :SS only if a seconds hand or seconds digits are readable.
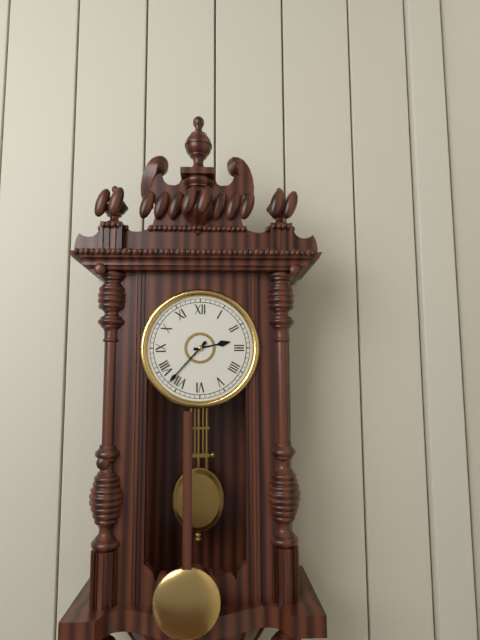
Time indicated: 2:37
